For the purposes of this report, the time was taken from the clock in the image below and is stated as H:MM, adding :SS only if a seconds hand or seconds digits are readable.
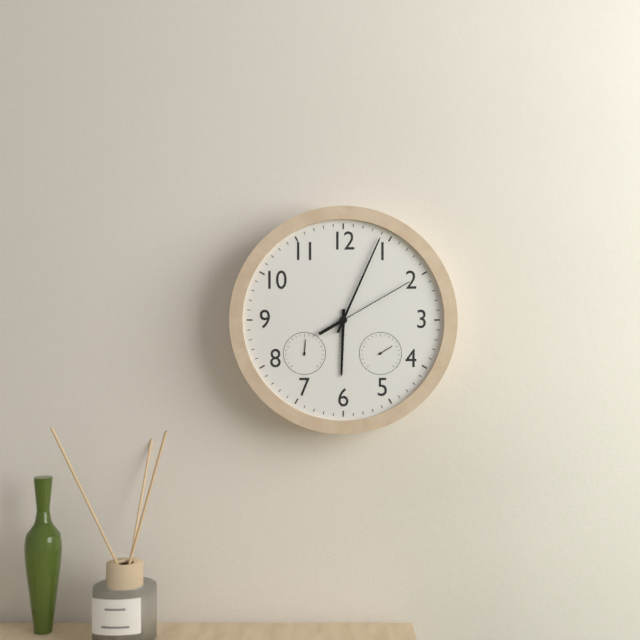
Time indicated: 6:04:10
